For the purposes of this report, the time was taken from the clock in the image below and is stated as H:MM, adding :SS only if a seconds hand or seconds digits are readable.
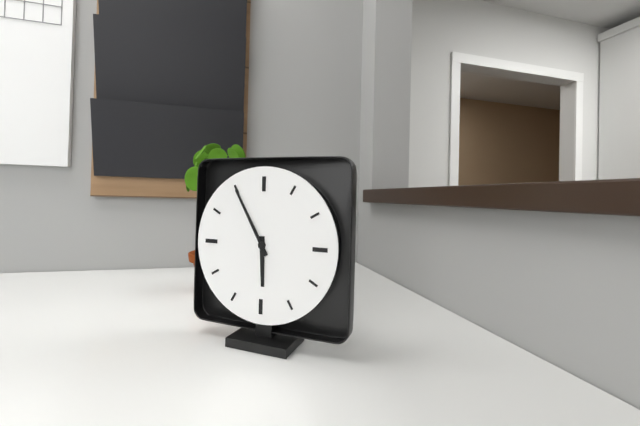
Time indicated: 5:55
